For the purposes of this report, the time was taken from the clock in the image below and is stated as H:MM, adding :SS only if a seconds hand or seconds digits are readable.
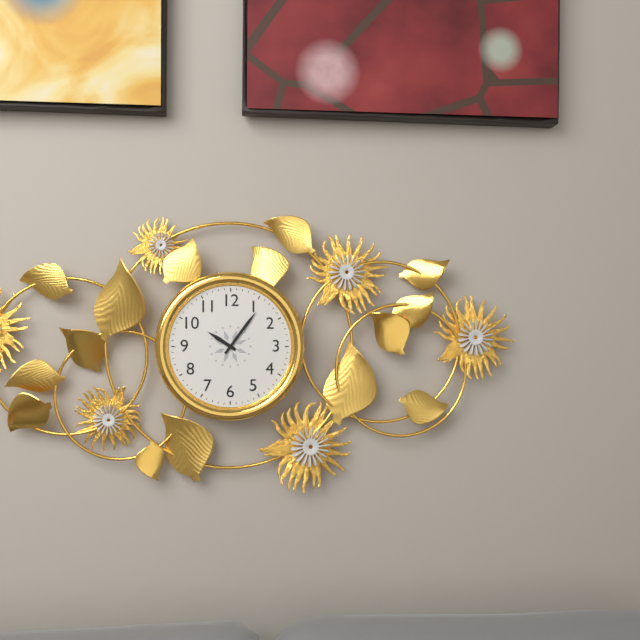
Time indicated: 10:06
